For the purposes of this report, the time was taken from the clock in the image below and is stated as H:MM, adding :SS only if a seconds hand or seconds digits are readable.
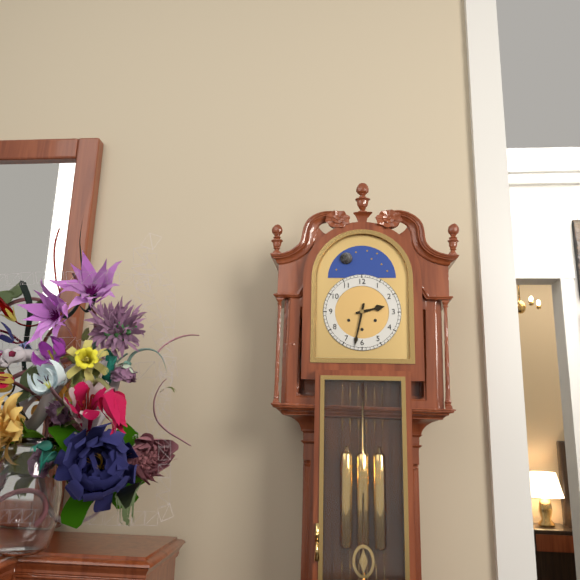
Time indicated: 2:32
